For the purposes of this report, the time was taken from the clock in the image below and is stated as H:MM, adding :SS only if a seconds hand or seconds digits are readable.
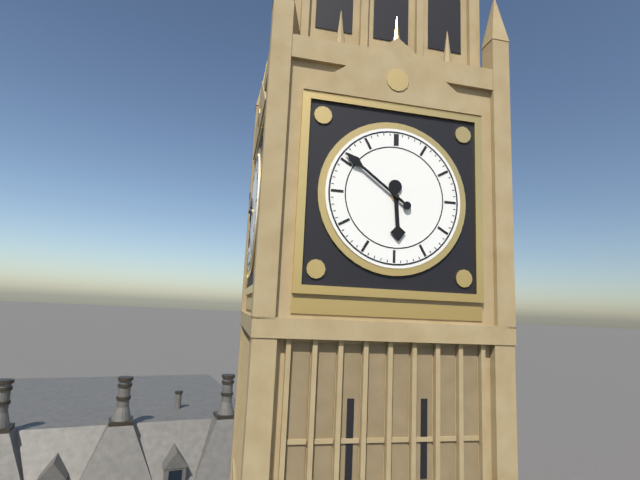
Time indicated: 5:51
